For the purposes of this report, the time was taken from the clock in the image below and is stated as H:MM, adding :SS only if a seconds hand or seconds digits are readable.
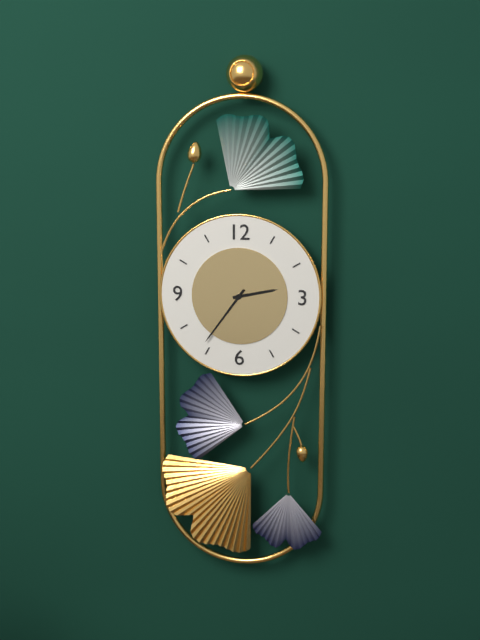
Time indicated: 2:36
